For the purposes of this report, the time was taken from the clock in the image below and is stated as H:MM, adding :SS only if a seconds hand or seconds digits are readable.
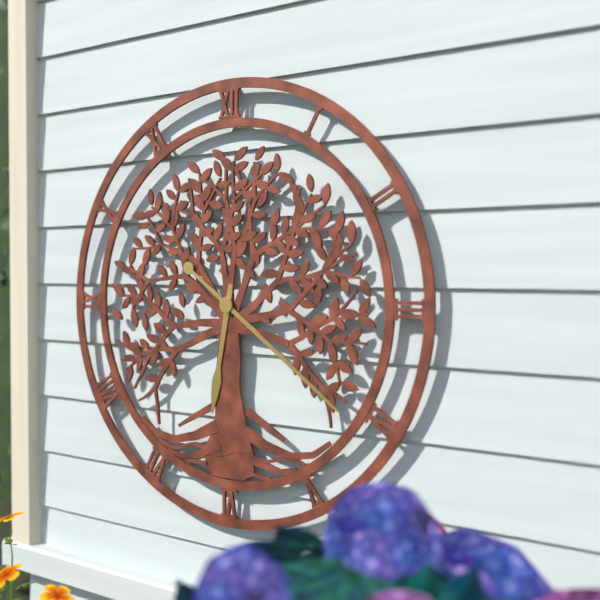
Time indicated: 6:21
